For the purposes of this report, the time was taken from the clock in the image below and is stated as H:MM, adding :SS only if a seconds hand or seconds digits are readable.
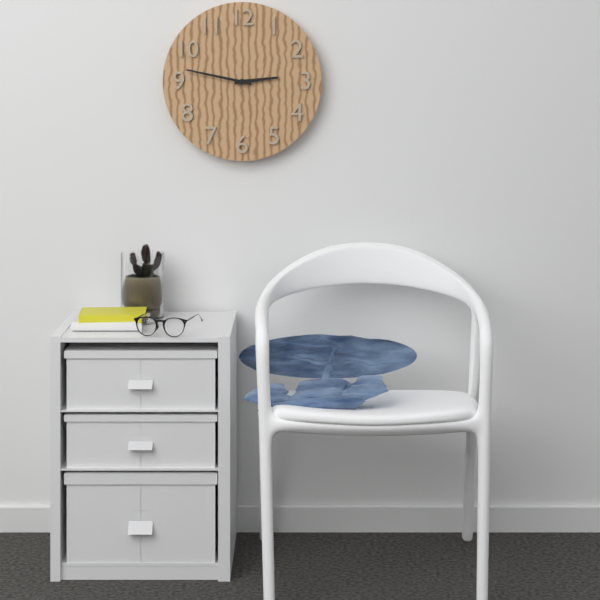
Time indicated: 2:47
